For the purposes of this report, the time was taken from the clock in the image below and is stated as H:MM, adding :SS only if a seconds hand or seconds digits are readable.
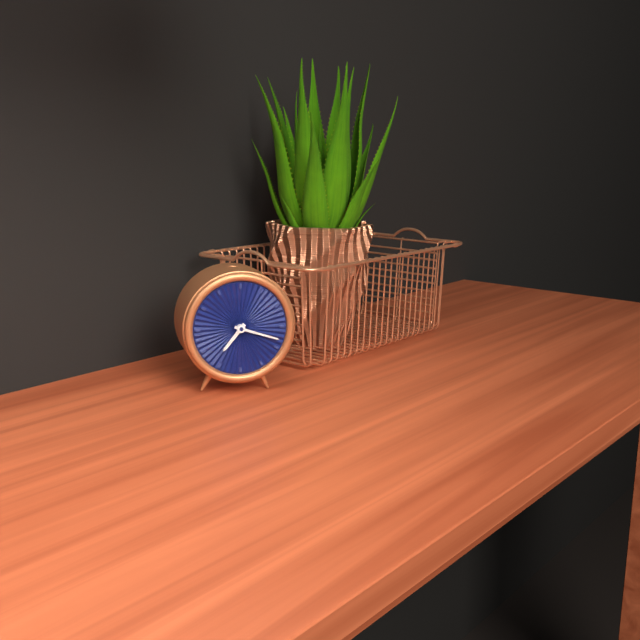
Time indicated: 7:18
